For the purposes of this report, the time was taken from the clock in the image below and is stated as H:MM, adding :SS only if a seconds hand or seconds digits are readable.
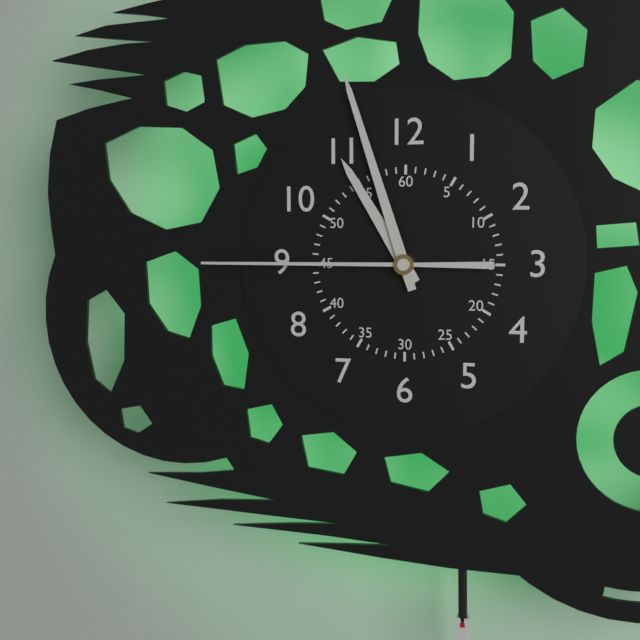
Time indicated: 10:57:45
